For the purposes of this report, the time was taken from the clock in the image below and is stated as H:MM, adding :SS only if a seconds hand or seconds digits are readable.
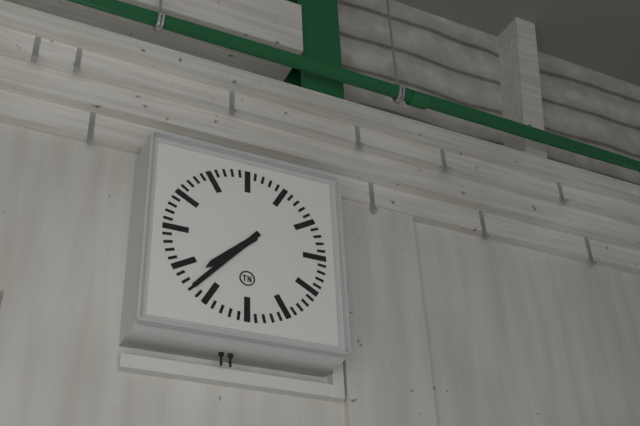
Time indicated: 7:37
